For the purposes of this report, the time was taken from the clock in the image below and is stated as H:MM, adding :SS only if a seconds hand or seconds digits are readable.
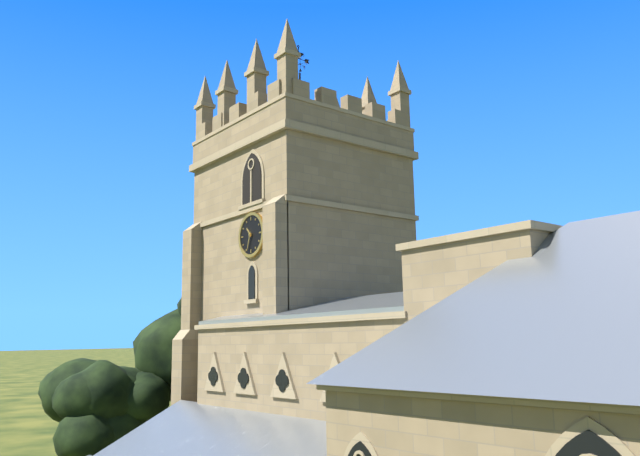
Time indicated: 10:33
